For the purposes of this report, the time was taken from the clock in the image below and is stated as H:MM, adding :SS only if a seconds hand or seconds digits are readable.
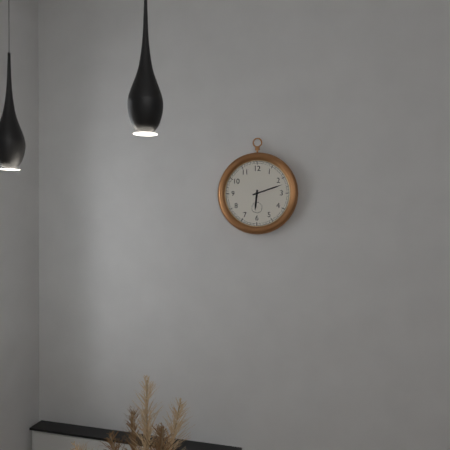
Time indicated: 6:12
